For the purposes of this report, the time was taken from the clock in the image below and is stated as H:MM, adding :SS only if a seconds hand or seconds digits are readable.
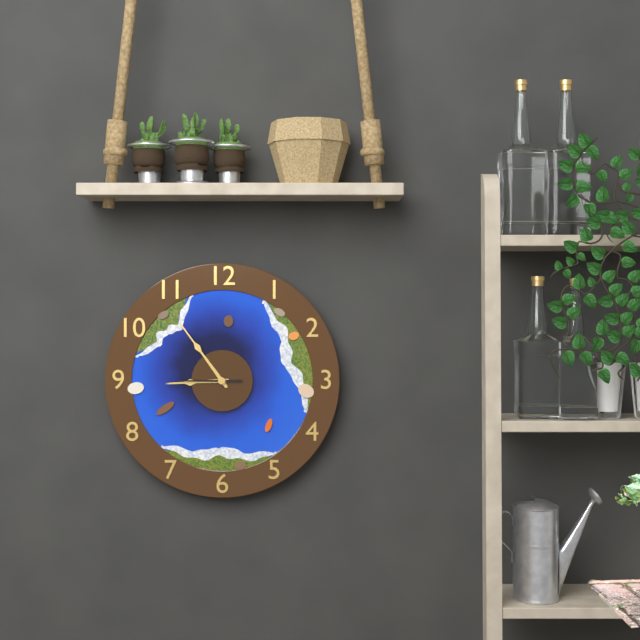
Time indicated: 8:54:45
